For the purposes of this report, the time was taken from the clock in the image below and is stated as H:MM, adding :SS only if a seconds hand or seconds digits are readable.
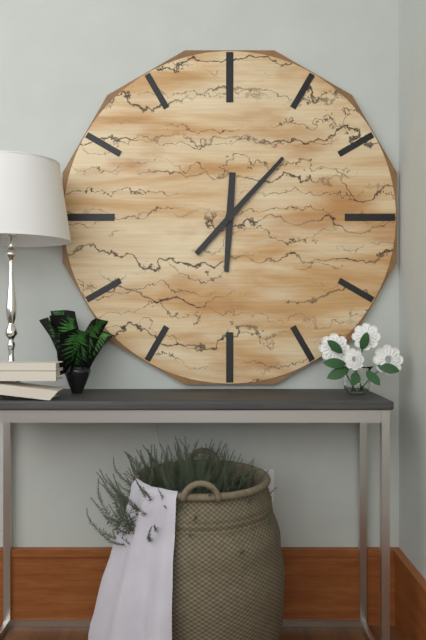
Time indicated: 6:07
